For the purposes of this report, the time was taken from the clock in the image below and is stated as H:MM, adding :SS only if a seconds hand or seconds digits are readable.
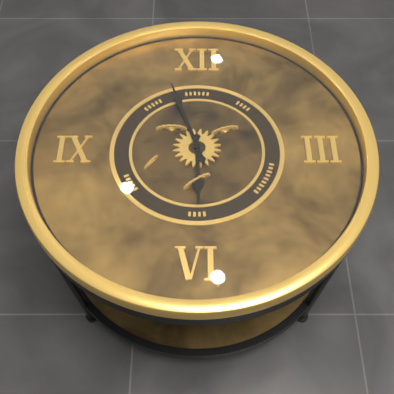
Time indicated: 5:57
